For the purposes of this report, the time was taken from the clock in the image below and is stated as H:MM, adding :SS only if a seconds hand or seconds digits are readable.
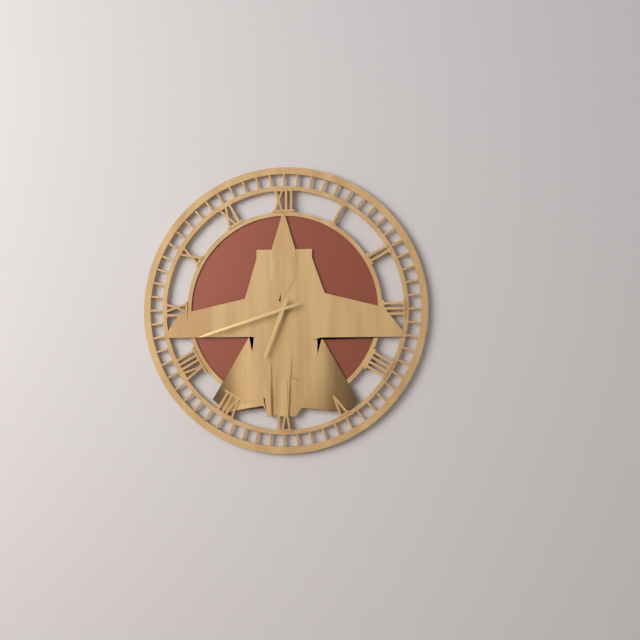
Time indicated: 6:42
